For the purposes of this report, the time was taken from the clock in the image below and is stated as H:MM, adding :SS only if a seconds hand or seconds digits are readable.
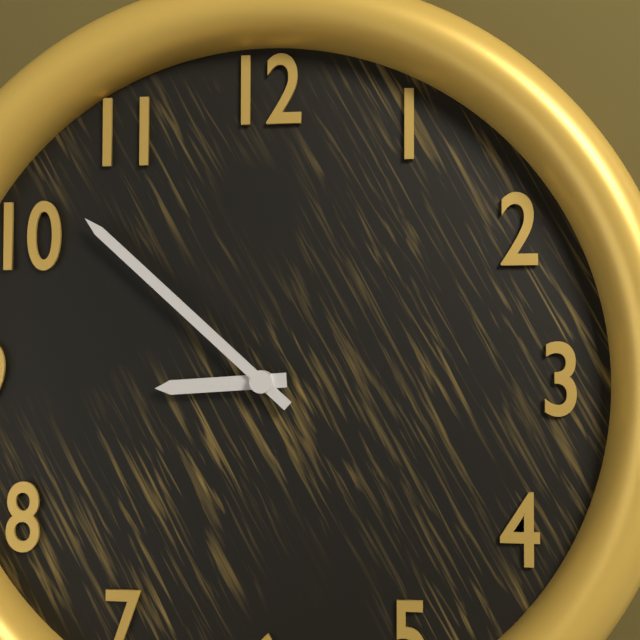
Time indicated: 8:52
